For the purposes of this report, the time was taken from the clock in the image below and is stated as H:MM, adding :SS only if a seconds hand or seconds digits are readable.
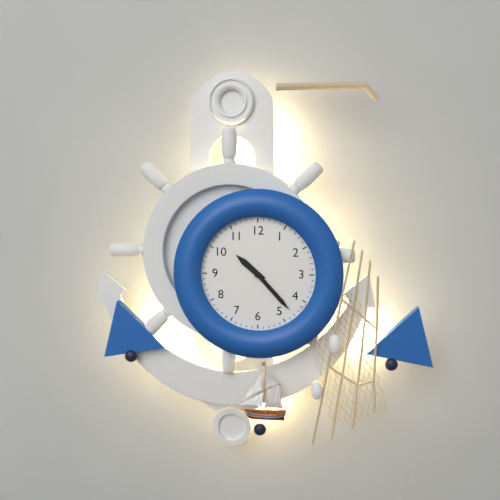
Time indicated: 10:23
